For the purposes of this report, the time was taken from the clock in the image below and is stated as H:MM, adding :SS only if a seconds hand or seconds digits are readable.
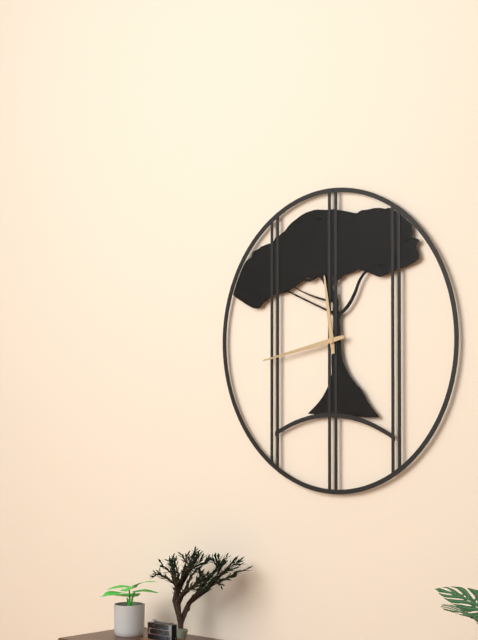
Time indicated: 11:43
